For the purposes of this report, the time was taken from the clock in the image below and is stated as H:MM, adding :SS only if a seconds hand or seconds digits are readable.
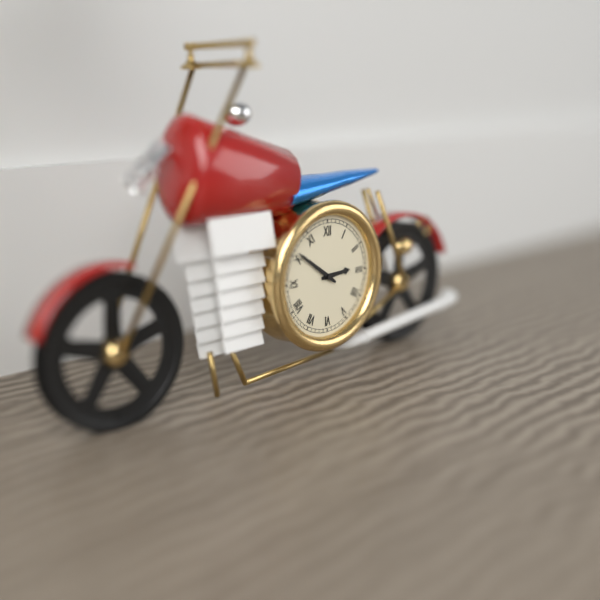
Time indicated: 2:51
